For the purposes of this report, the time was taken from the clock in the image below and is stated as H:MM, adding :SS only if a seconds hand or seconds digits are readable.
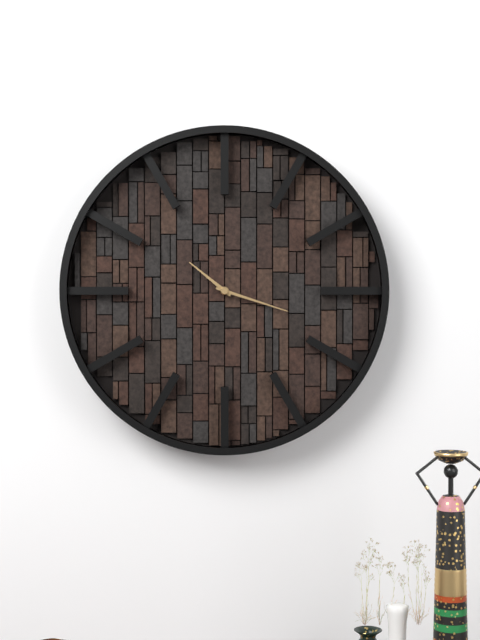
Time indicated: 10:18
